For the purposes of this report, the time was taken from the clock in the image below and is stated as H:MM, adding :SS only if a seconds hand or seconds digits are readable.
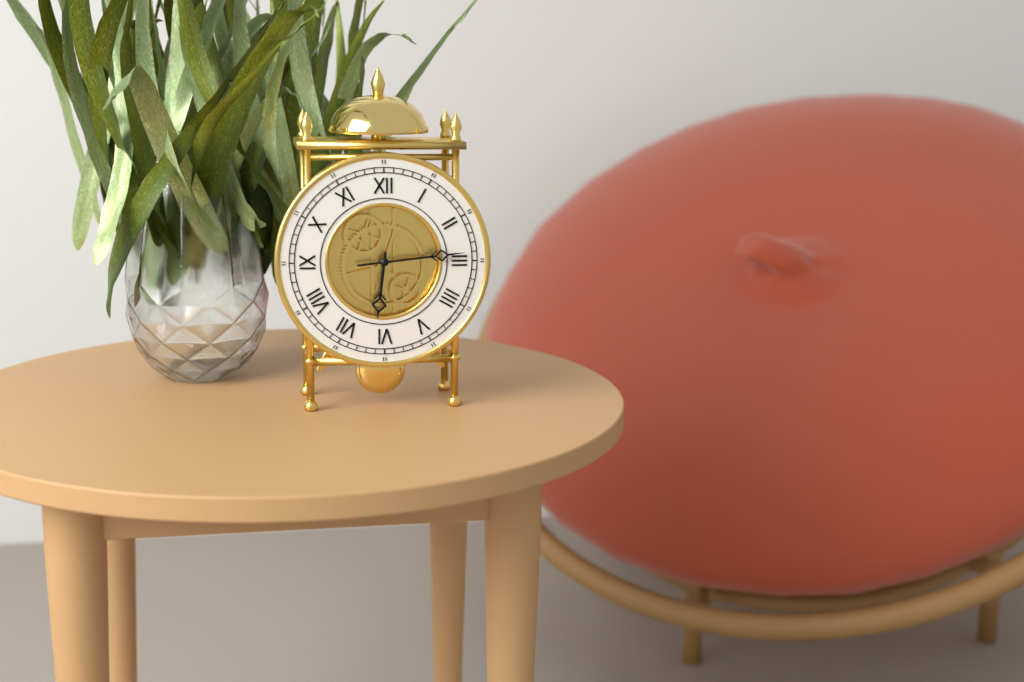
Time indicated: 6:14
